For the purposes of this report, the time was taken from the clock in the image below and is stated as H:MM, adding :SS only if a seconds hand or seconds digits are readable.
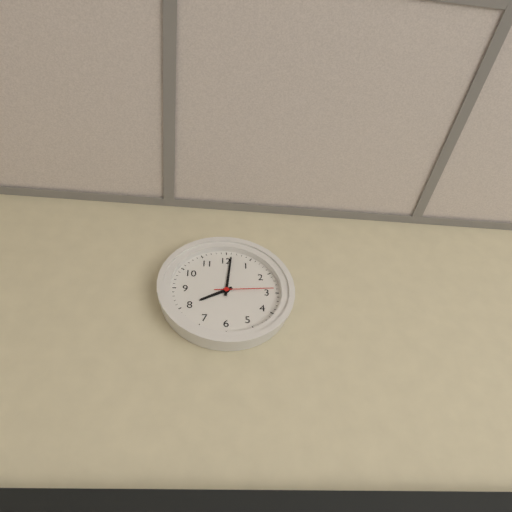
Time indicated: 8:01:14
